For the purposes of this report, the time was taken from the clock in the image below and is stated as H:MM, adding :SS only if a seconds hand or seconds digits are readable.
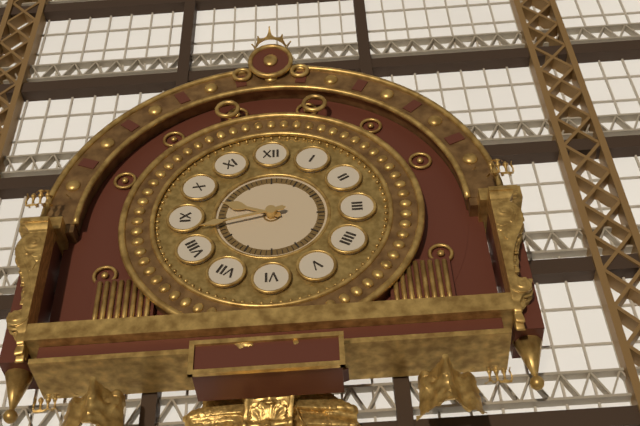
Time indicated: 9:43
